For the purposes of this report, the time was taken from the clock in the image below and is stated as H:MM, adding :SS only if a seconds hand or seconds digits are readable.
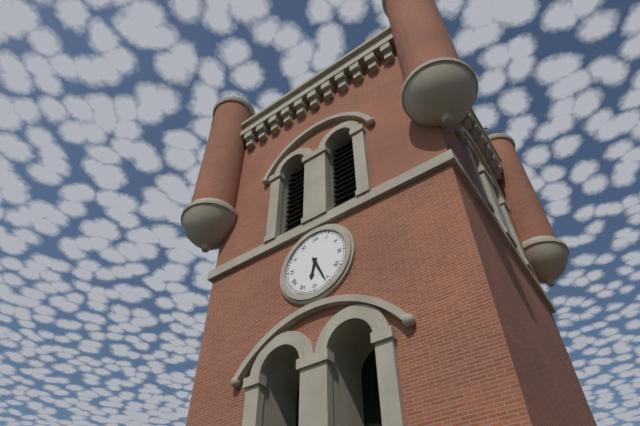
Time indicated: 6:26
